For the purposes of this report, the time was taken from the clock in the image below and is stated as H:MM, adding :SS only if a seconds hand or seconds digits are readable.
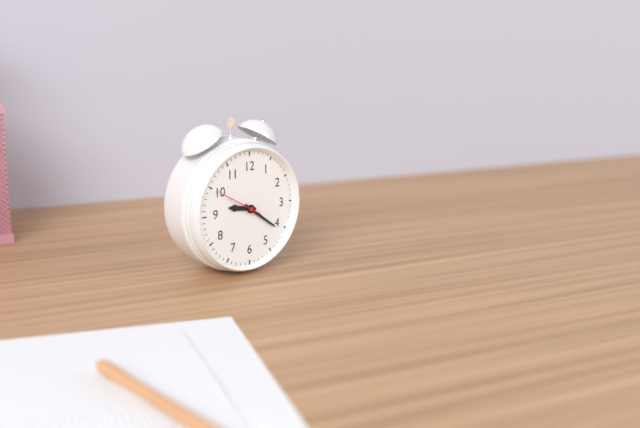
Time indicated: 9:21
